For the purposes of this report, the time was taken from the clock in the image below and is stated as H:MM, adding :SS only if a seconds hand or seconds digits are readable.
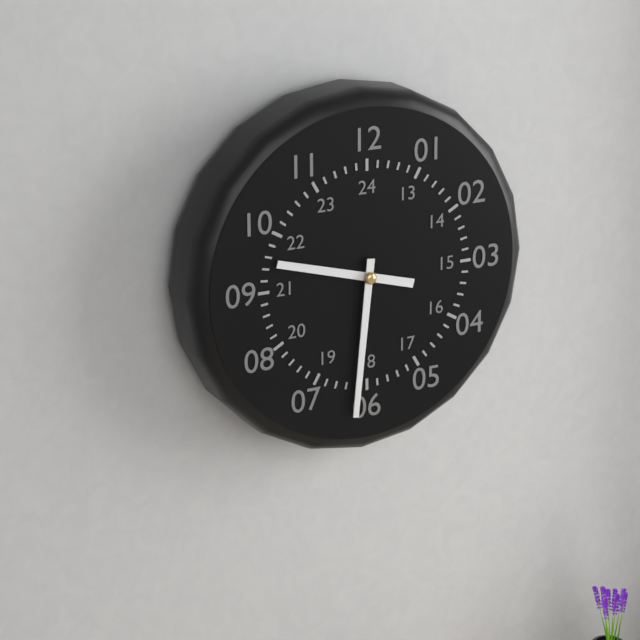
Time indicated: 9:31
